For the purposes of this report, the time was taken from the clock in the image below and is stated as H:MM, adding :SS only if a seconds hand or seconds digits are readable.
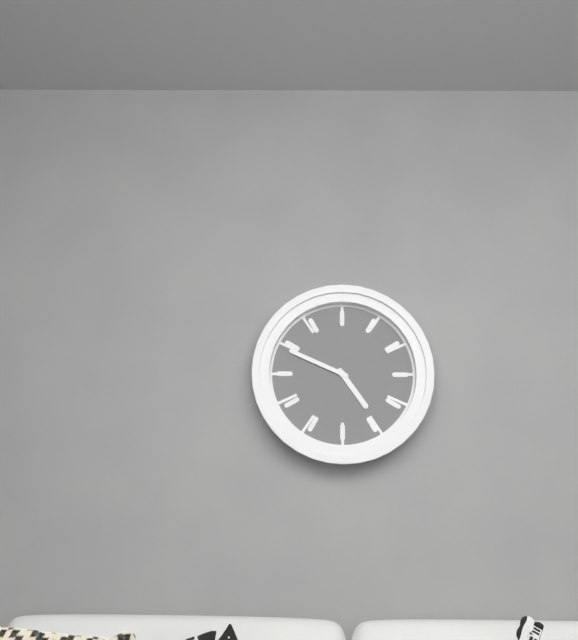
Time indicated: 4:49
